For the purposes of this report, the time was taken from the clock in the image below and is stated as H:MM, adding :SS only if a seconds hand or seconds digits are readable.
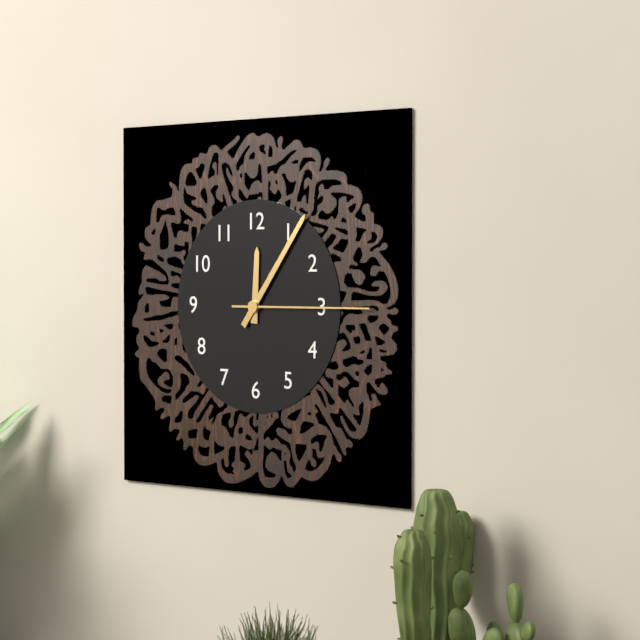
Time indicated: 12:06:15
